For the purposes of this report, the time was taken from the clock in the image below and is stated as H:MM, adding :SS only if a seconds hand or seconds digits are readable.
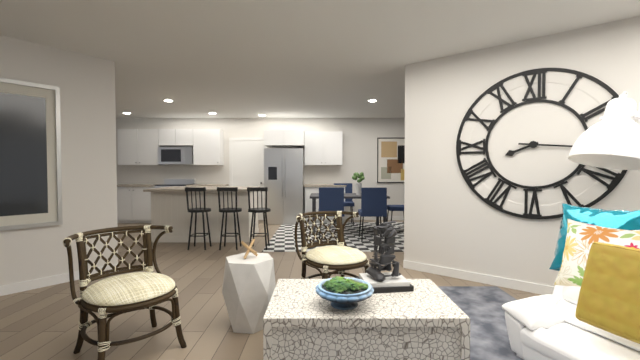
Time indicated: 8:16
